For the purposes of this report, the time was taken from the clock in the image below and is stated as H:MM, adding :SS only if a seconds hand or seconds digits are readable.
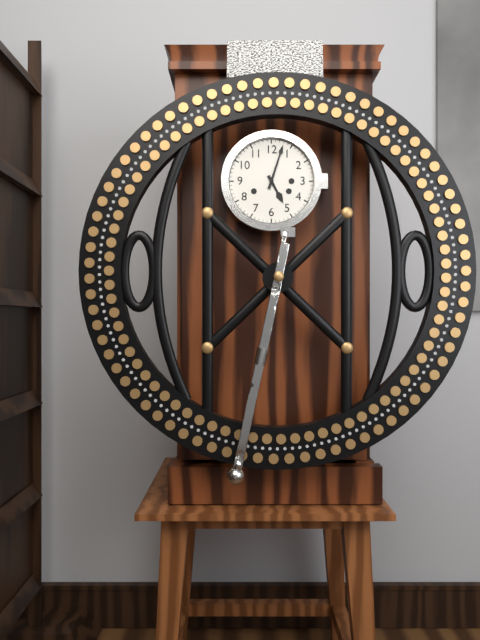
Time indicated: 5:03
